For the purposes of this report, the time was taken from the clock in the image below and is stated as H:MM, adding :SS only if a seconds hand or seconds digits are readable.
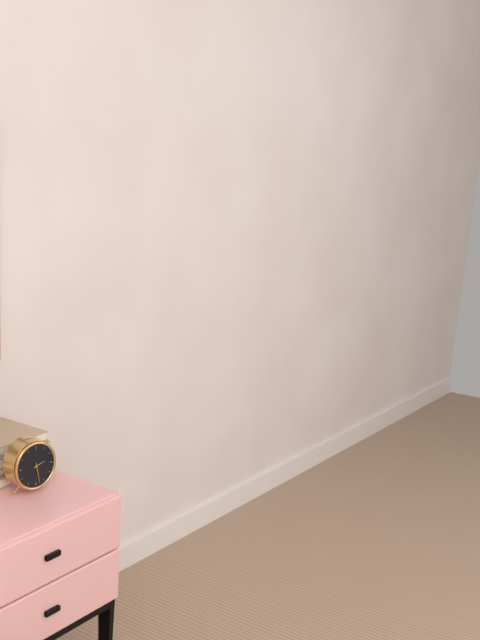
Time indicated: 2:28
